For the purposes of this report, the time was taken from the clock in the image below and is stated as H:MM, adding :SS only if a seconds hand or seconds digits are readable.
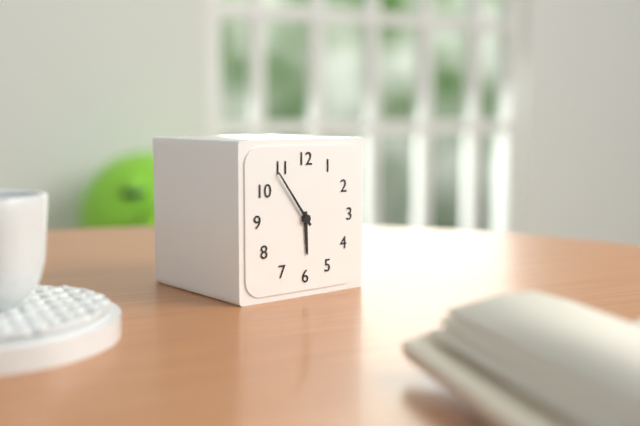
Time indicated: 5:54
